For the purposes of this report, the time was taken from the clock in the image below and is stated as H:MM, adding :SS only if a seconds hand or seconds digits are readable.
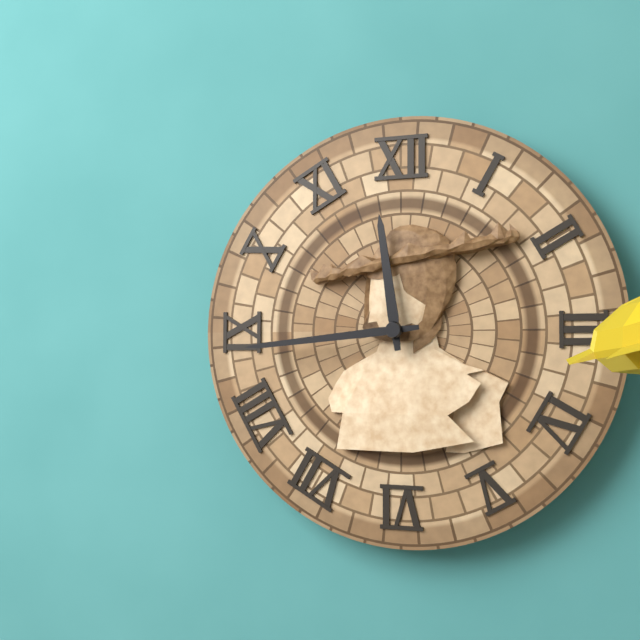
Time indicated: 11:44
